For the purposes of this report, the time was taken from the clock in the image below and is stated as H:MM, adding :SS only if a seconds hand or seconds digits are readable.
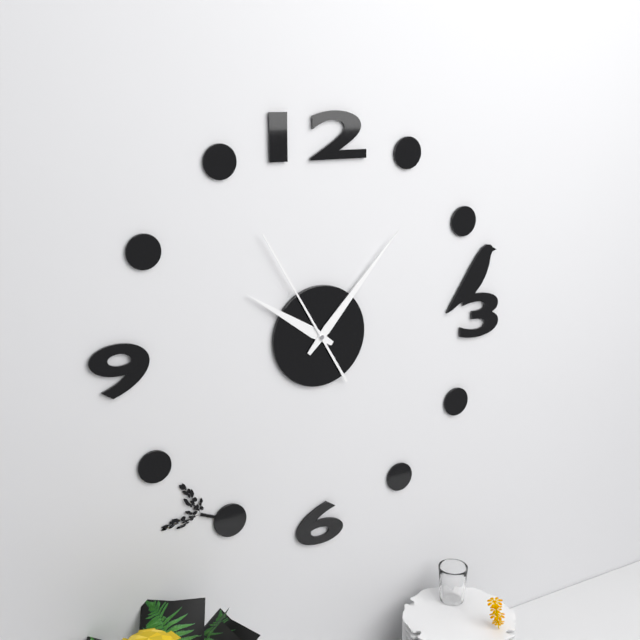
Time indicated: 10:07:55
